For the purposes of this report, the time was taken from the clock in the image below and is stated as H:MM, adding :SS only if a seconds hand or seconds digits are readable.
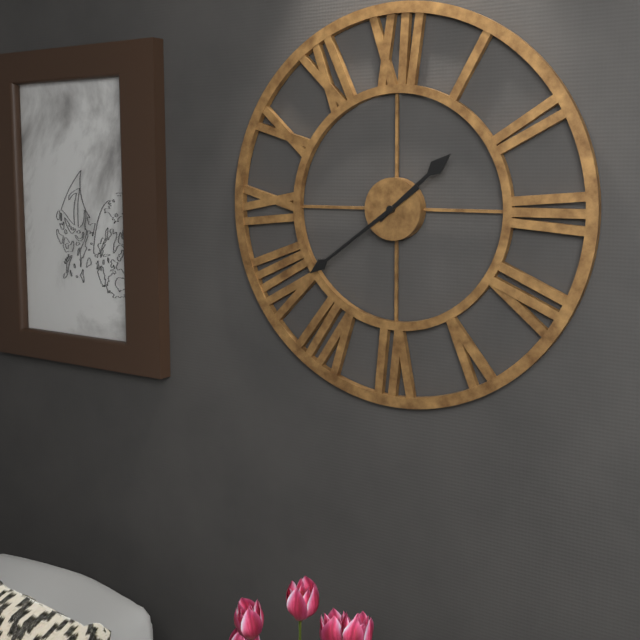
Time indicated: 1:39
